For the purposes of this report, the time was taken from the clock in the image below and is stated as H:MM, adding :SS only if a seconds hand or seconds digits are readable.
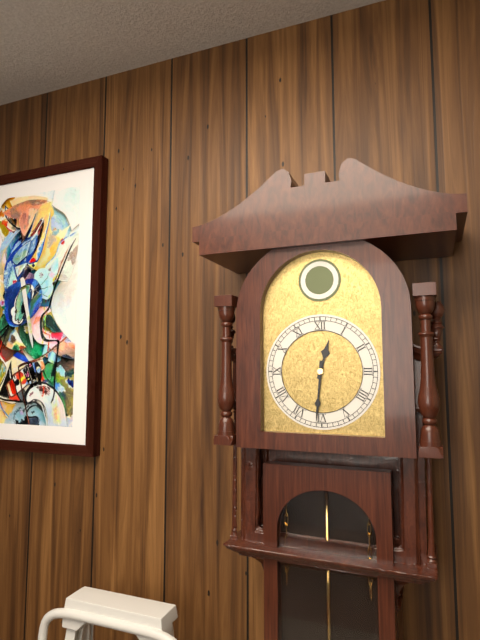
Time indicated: 12:31
